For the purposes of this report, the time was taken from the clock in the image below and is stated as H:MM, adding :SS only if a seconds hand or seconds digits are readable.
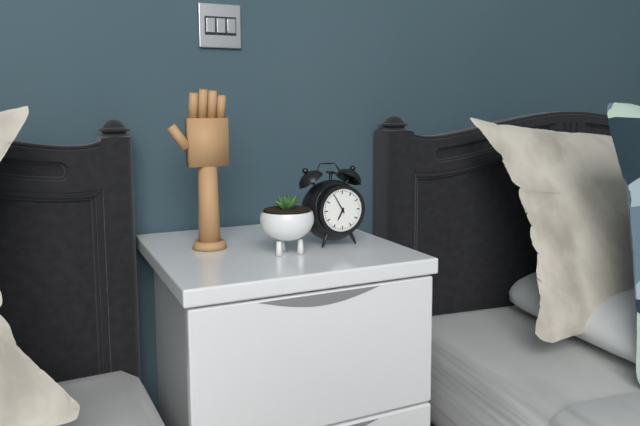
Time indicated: 6:55
